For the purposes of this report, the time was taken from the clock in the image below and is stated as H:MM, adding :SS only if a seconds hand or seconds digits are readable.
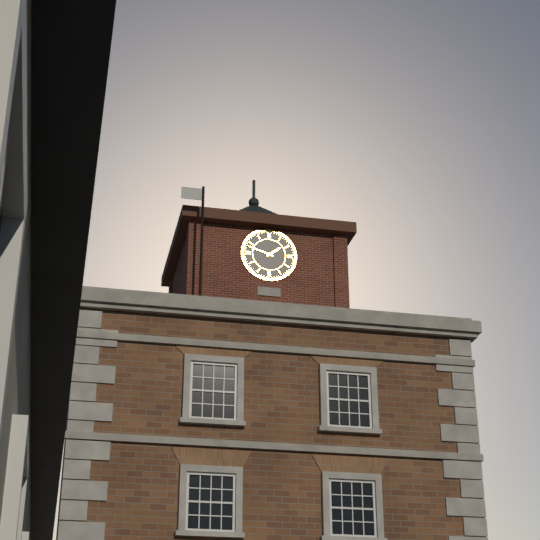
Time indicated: 1:48
